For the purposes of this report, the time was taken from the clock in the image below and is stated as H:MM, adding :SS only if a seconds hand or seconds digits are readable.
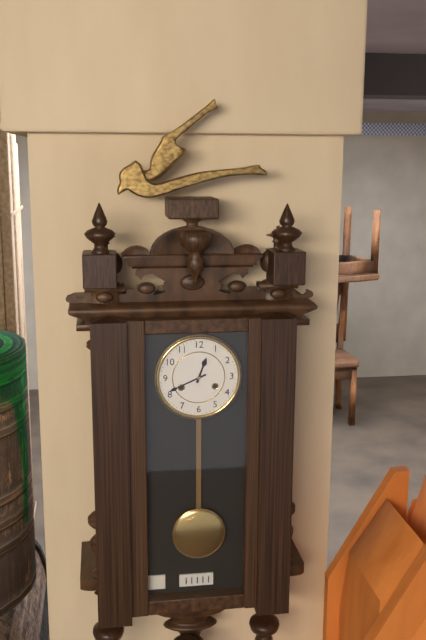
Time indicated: 12:41
